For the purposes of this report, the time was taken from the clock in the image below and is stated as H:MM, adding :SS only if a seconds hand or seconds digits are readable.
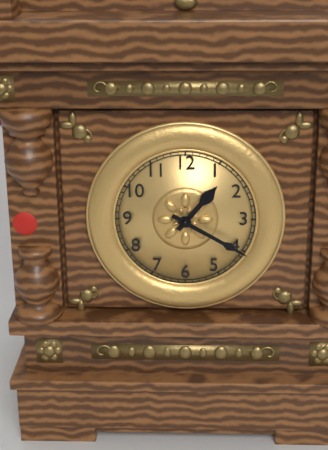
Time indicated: 1:20
